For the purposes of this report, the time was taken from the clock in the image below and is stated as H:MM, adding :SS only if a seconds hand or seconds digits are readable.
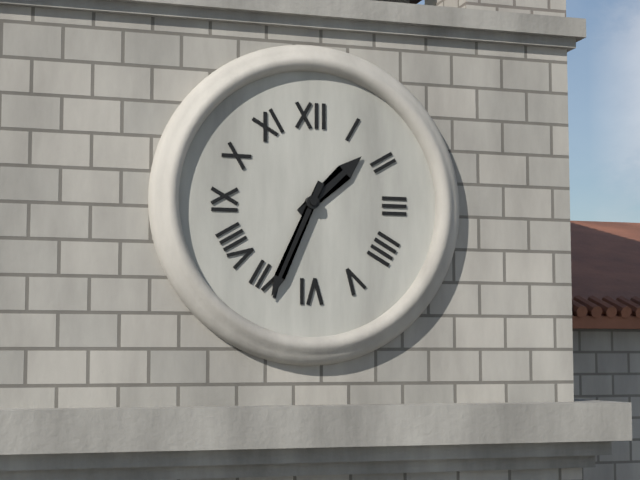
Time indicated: 1:34
